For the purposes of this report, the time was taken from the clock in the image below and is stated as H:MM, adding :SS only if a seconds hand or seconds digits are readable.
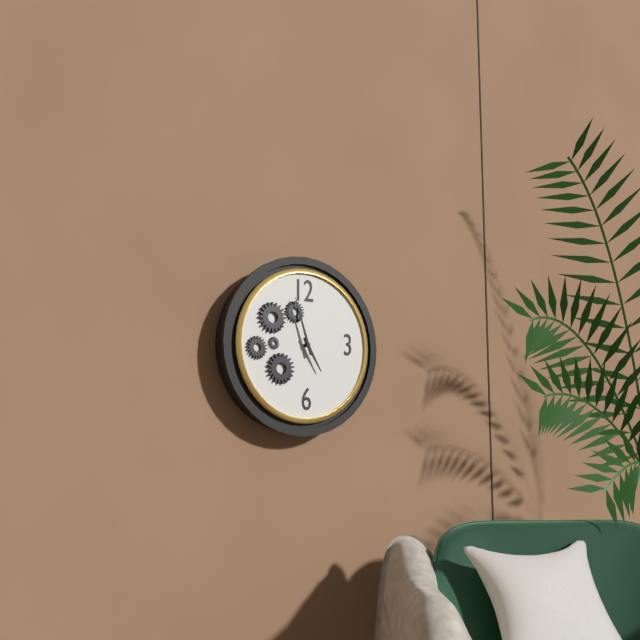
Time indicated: 4:57
